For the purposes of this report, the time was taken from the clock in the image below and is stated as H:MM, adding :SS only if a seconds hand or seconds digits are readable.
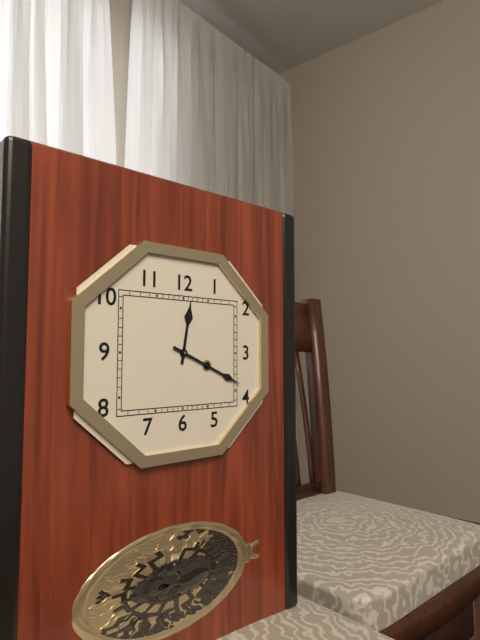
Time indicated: 12:19
